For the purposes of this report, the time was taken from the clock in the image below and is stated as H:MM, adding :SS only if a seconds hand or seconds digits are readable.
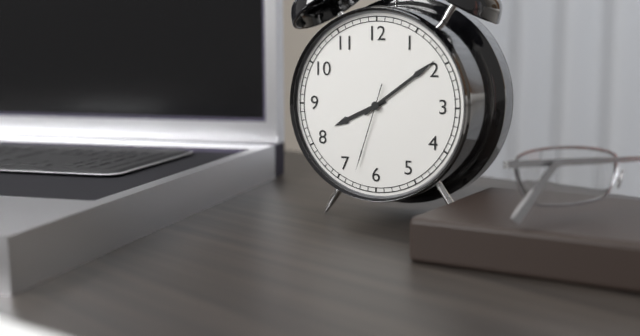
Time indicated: 8:09:33
